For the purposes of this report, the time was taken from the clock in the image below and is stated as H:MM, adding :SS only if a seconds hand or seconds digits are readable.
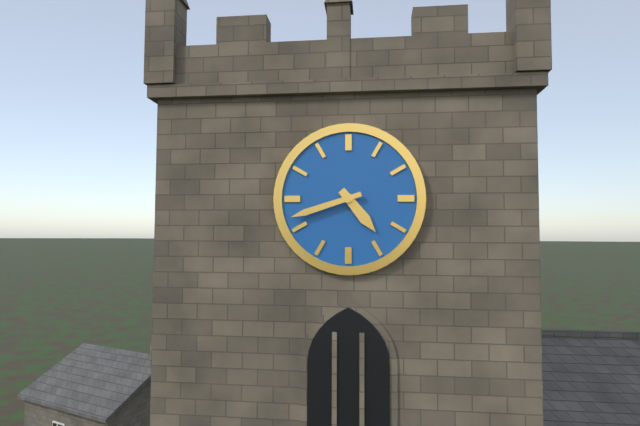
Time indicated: 4:42
